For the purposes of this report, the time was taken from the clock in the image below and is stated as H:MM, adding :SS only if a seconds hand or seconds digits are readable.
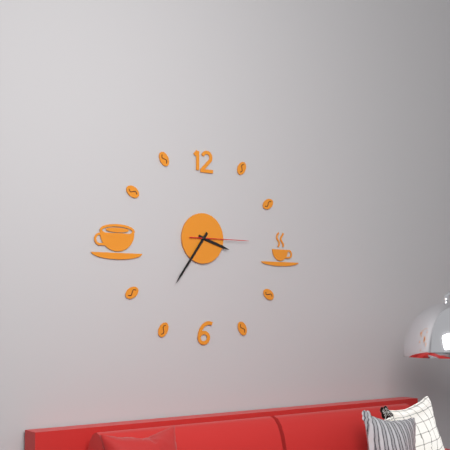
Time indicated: 3:36:15
